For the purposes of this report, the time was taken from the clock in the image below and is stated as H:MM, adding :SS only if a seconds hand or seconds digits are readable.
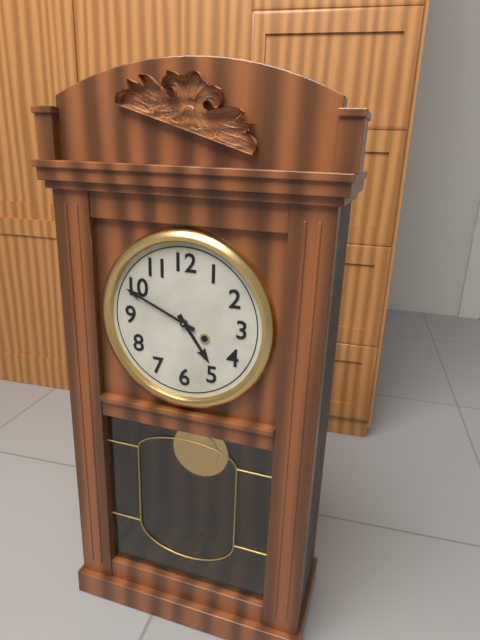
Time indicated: 4:49
